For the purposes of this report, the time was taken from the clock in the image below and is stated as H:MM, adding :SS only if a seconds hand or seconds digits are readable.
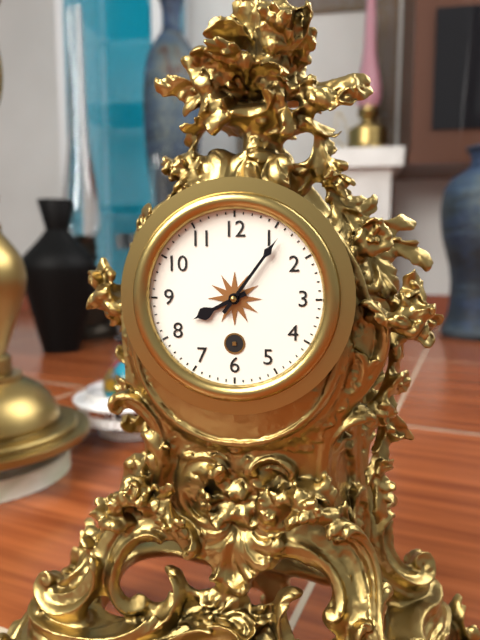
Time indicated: 8:06
